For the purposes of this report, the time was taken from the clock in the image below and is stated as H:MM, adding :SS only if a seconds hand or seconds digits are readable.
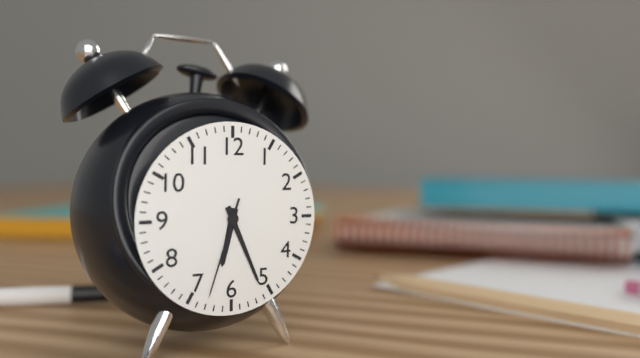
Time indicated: 6:26:33
